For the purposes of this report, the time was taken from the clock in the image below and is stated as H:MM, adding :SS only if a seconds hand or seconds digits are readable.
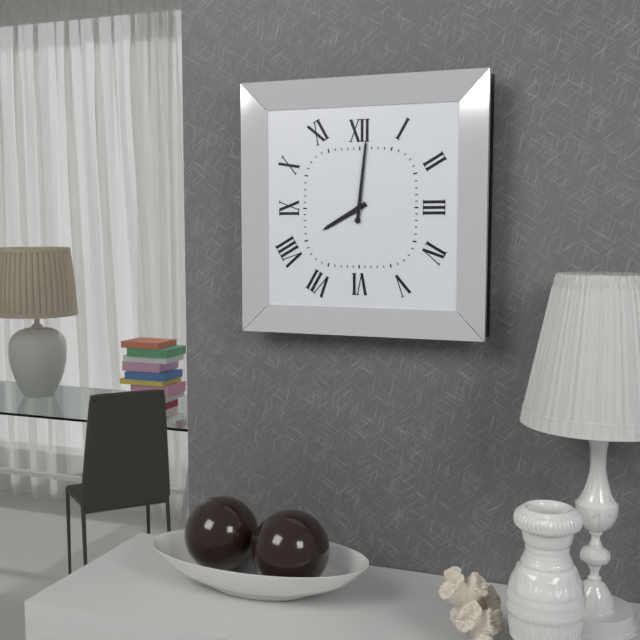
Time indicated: 8:01
